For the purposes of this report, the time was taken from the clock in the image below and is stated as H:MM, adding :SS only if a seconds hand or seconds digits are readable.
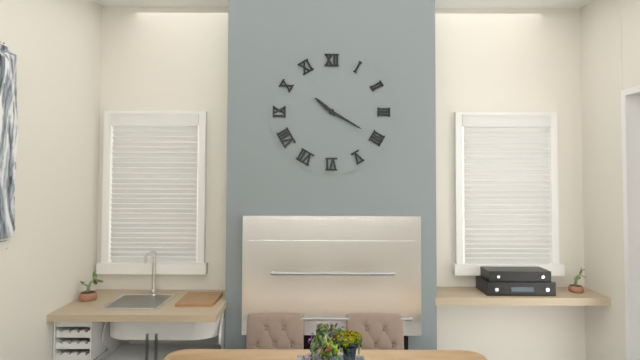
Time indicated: 10:20
